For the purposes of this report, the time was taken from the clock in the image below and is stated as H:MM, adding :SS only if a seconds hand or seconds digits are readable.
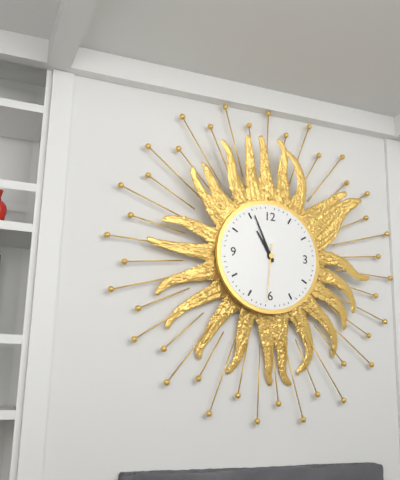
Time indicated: 10:56:31
